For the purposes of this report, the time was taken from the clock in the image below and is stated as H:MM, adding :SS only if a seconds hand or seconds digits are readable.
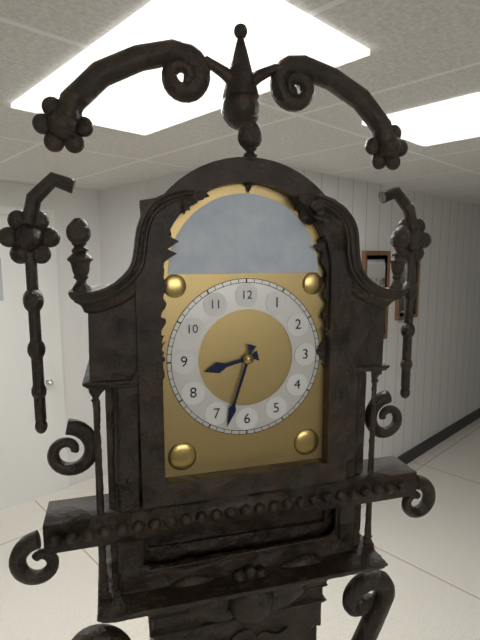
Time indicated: 8:33
